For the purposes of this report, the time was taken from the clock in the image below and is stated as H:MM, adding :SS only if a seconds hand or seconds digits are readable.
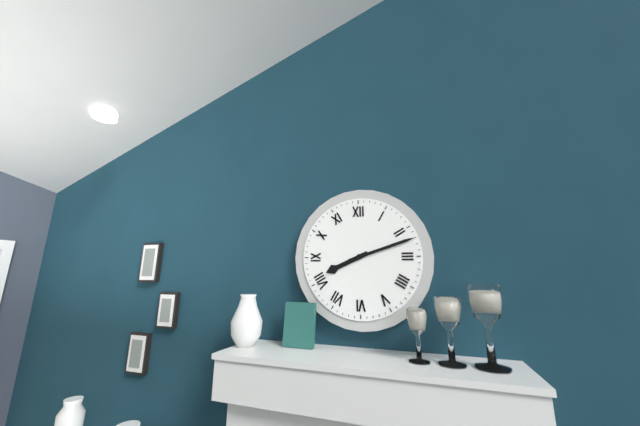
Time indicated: 8:12
